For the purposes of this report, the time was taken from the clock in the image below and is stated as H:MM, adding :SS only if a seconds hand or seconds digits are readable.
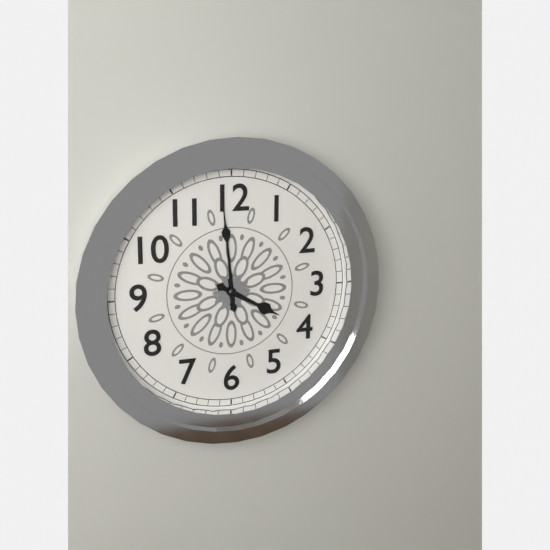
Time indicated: 3:59
